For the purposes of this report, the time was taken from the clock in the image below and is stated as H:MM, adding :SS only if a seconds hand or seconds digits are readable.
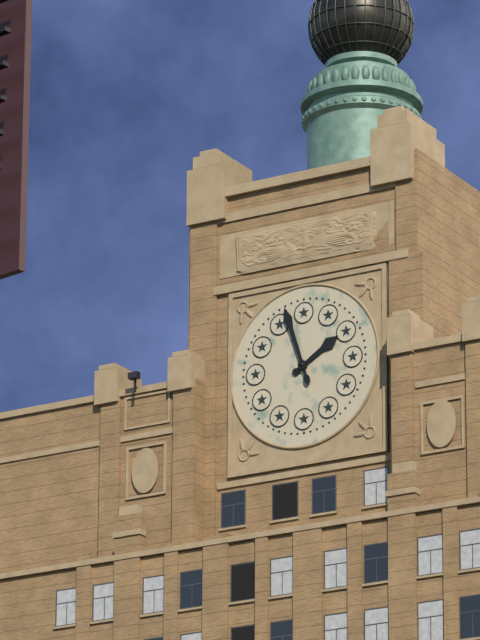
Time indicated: 1:57
